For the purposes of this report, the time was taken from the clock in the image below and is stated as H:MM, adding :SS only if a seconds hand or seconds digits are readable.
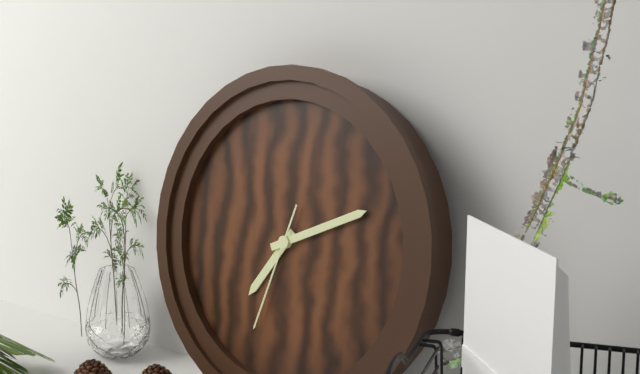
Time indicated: 7:11:33
